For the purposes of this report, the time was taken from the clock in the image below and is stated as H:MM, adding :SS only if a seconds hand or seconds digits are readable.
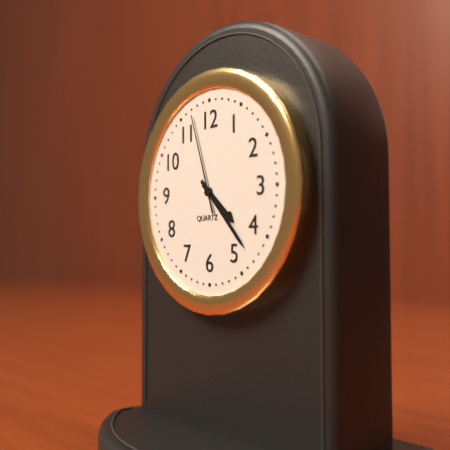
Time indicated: 4:23:57
